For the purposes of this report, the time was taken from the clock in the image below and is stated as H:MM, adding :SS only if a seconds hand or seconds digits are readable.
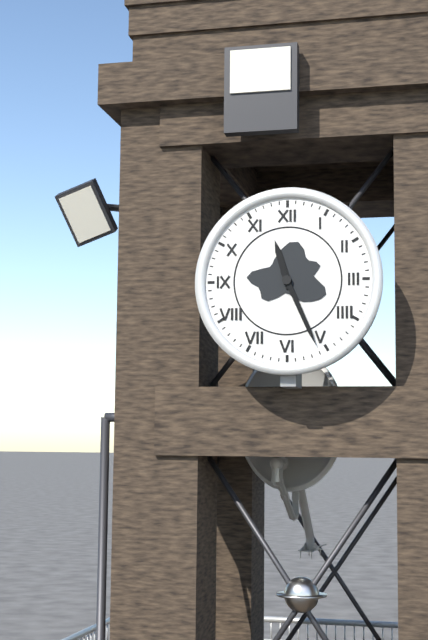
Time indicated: 11:26
